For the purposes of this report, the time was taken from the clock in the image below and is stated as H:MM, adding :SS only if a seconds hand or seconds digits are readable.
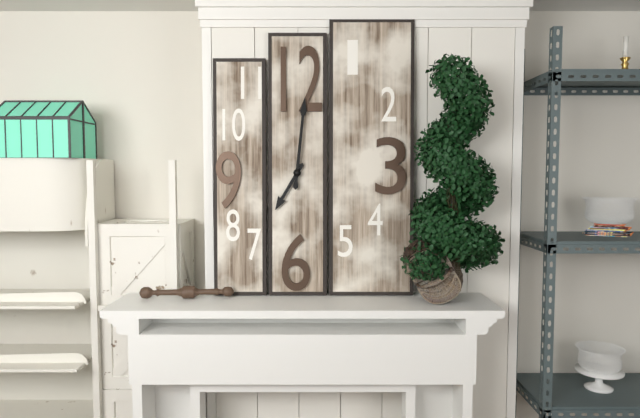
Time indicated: 7:01
